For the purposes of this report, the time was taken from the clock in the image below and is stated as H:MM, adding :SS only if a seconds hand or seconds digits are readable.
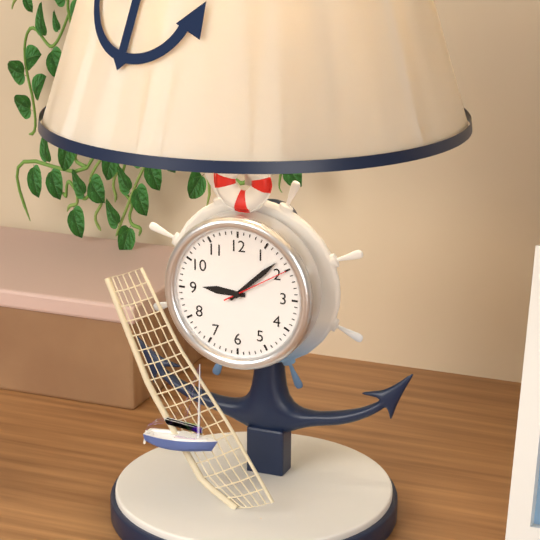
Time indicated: 9:08:10
